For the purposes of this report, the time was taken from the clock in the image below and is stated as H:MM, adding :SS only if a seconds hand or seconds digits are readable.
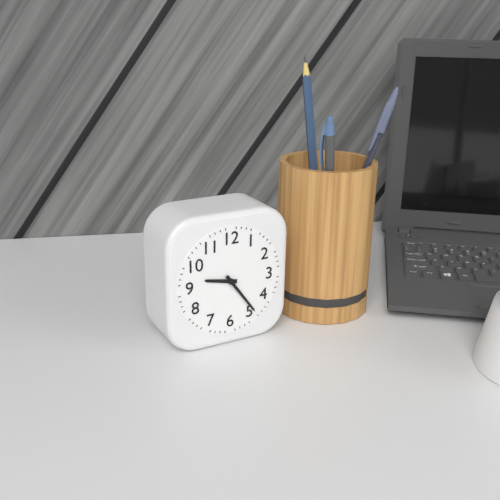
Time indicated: 9:24
